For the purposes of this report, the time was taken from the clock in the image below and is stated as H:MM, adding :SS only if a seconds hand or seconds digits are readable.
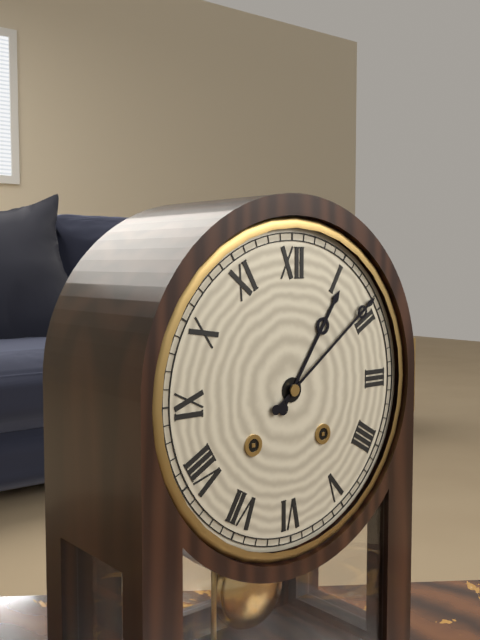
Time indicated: 1:09
